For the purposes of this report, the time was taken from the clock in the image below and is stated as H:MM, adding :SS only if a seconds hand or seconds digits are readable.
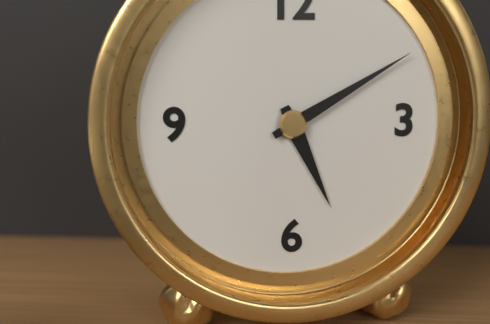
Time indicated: 5:10
